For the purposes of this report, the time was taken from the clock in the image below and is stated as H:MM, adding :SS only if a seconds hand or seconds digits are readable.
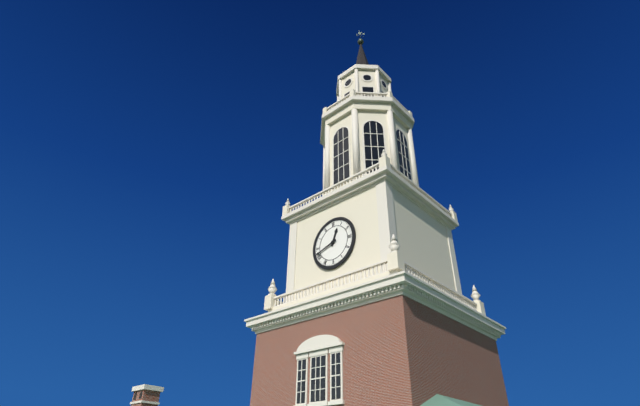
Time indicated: 12:42
